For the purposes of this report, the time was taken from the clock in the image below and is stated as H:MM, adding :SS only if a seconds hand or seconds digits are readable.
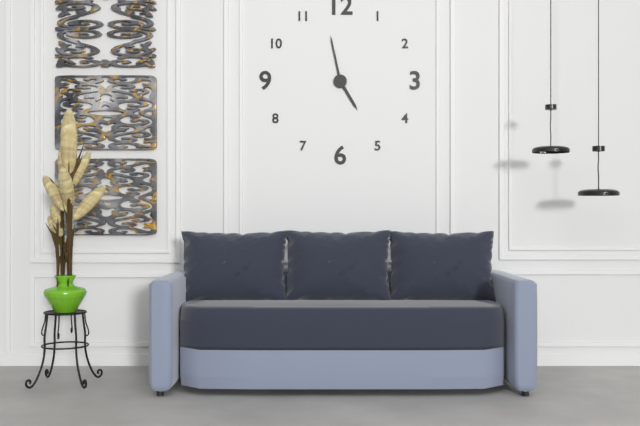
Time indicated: 4:58
